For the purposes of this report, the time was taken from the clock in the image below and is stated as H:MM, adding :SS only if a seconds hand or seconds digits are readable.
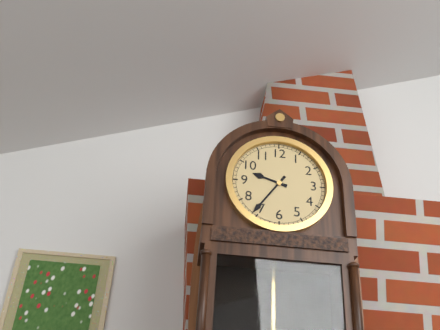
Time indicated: 9:36
